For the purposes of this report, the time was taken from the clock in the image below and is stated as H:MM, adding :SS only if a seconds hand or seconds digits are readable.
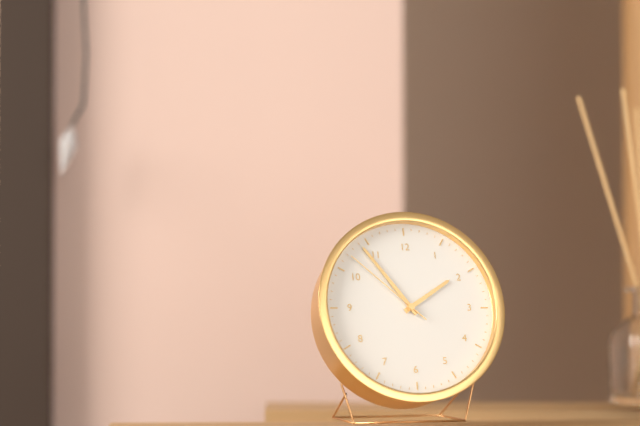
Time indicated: 1:54:52
